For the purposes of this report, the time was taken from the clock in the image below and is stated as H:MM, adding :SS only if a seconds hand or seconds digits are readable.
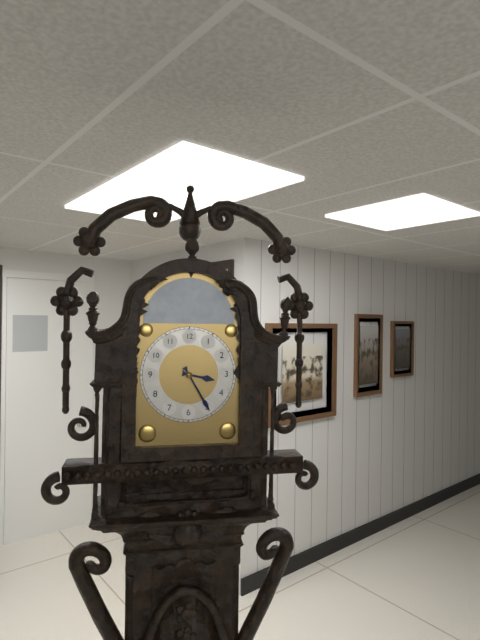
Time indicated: 3:25
